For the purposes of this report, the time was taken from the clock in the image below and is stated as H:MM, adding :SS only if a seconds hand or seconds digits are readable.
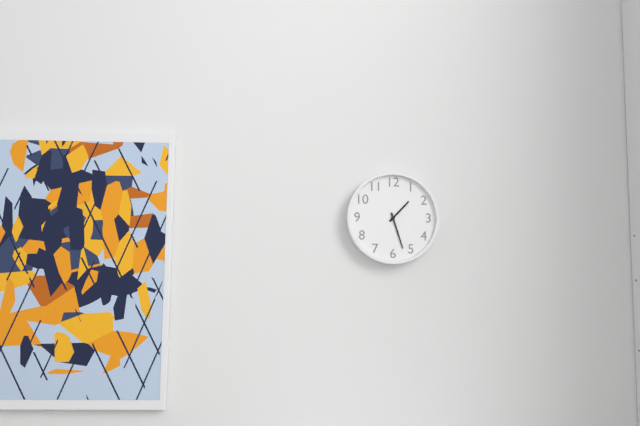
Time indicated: 1:27
